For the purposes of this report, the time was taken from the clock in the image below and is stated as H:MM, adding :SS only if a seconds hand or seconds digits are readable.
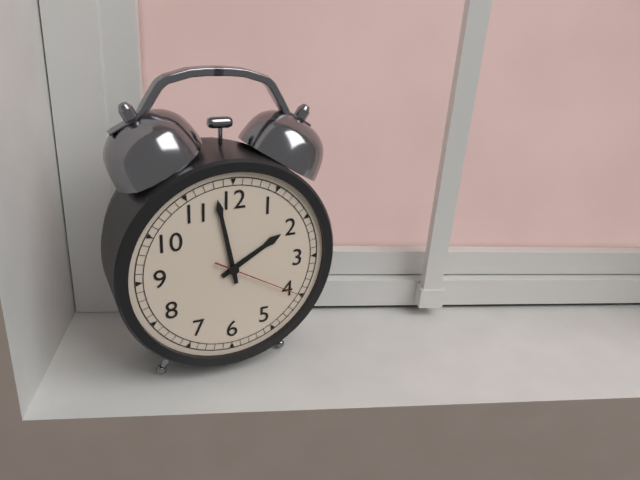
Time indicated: 1:58:20
